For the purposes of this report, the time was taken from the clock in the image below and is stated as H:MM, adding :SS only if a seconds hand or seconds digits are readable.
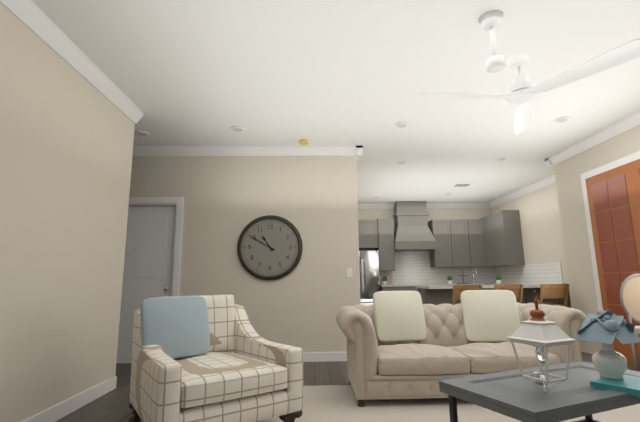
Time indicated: 10:50
